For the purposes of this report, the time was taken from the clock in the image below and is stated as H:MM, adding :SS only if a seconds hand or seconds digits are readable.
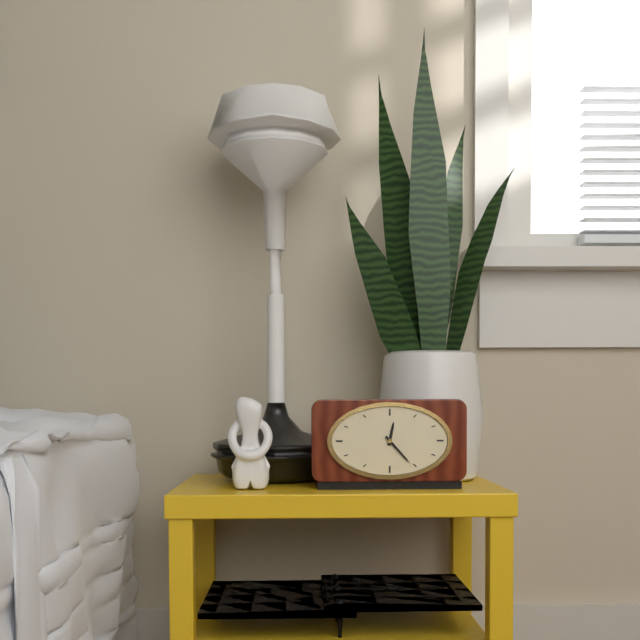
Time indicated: 12:23
